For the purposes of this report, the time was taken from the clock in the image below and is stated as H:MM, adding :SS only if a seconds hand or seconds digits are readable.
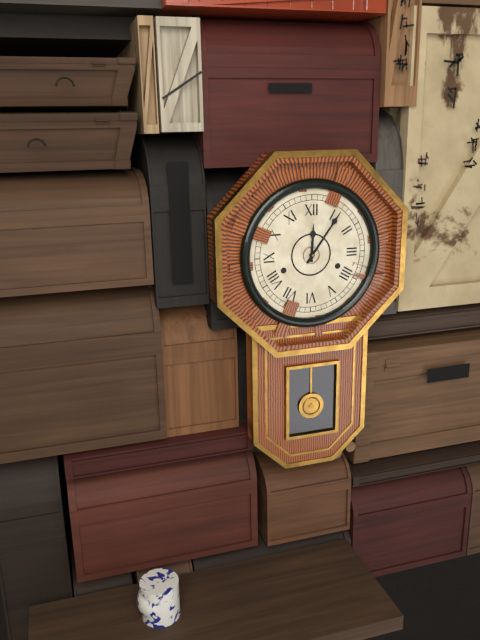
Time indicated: 12:06
